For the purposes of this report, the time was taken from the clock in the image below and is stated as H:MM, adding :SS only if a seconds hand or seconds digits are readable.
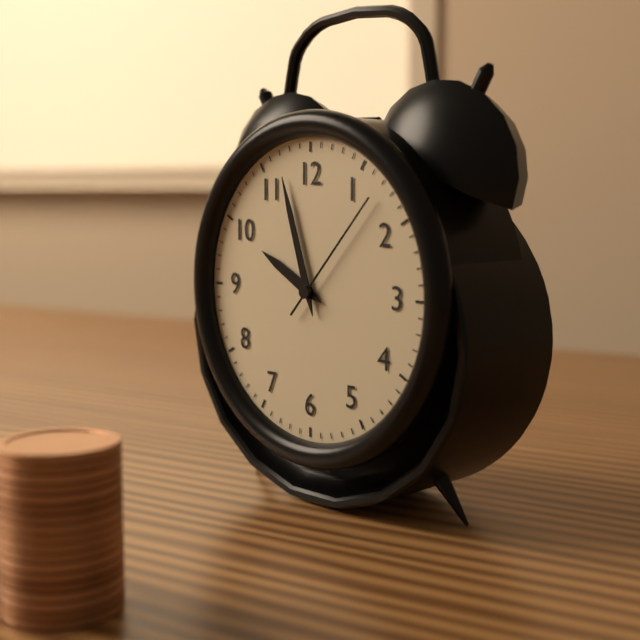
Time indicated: 9:57:07
